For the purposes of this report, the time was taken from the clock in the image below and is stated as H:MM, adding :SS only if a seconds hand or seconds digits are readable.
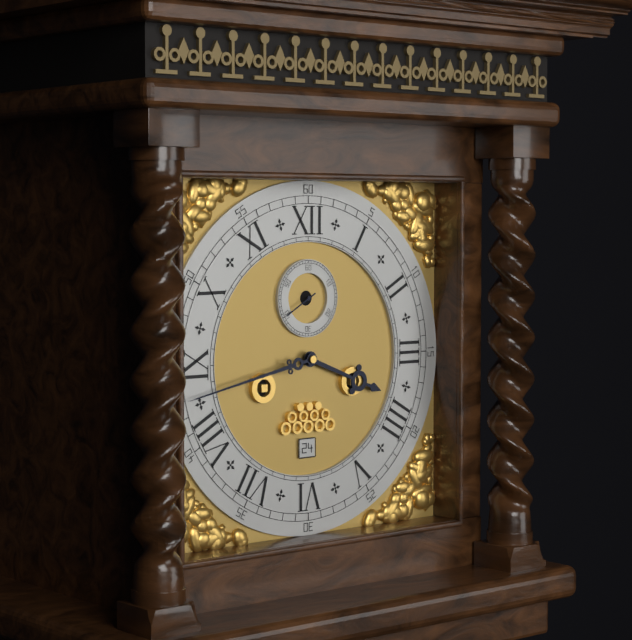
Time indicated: 3:43
